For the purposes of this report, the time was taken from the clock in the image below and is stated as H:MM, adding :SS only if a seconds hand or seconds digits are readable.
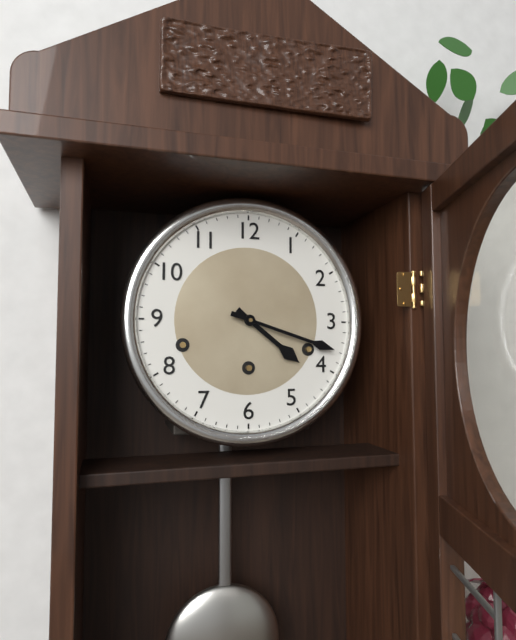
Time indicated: 4:18
